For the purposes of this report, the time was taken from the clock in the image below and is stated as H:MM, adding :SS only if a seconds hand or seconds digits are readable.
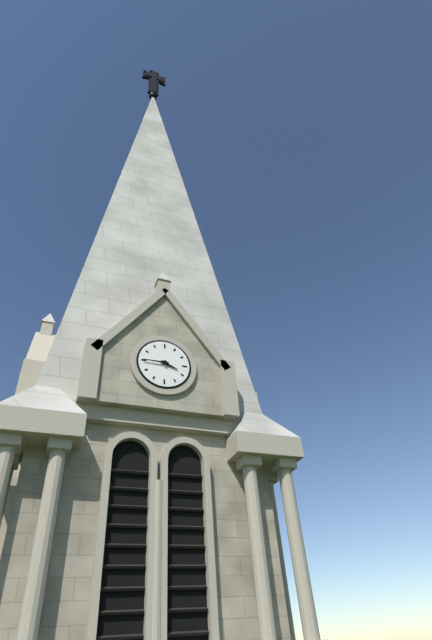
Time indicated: 3:45
